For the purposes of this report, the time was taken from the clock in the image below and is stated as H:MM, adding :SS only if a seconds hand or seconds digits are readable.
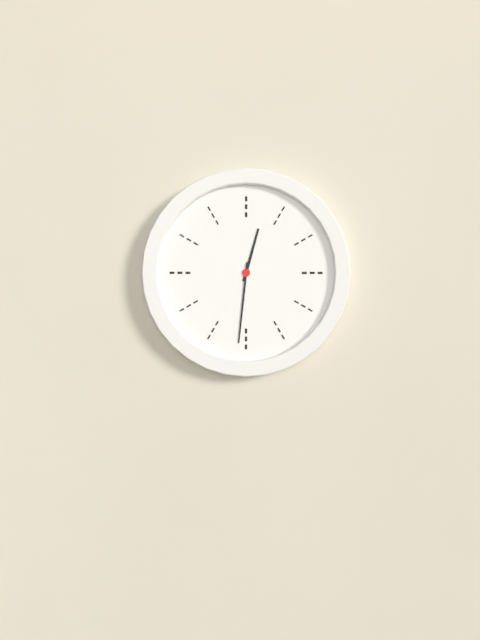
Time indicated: 12:31
